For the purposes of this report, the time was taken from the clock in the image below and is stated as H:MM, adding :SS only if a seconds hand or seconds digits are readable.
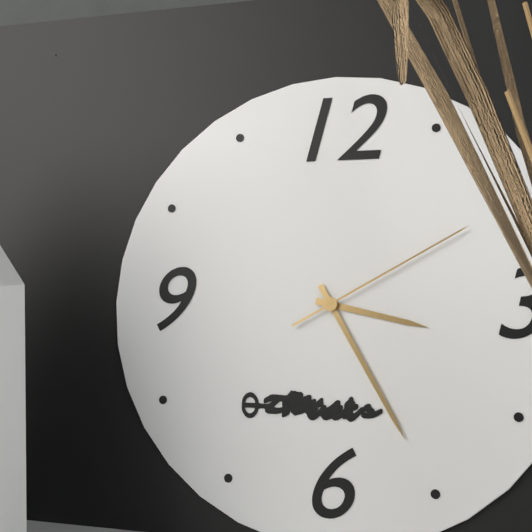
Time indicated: 3:25:10
